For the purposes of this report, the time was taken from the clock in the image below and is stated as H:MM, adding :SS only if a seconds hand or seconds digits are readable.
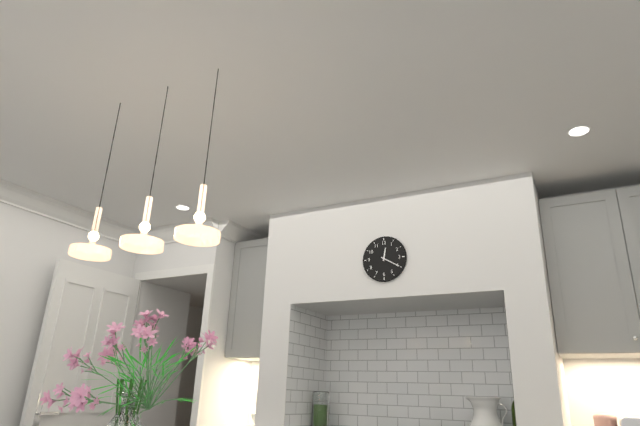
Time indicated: 12:20
